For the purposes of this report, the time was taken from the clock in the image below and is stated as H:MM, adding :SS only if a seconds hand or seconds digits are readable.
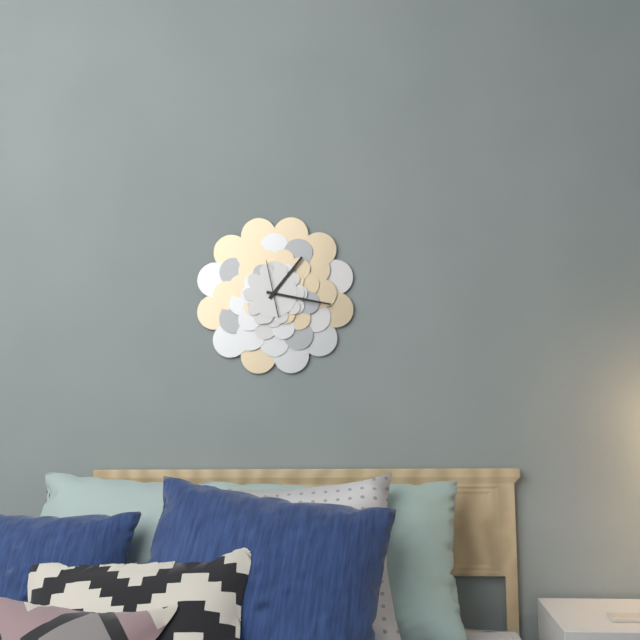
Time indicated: 1:17
